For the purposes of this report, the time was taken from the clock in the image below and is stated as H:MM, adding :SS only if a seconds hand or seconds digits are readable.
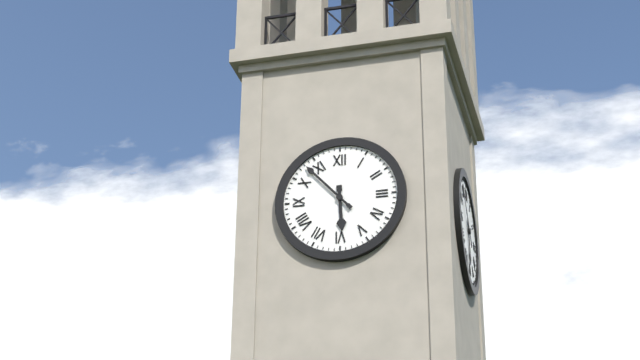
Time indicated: 5:53
